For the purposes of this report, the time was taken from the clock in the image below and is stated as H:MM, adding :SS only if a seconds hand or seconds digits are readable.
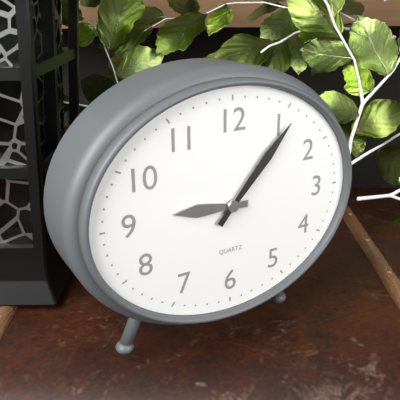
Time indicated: 9:07
